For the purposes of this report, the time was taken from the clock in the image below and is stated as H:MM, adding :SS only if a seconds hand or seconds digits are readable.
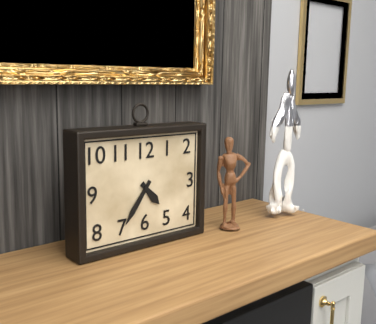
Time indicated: 4:36
